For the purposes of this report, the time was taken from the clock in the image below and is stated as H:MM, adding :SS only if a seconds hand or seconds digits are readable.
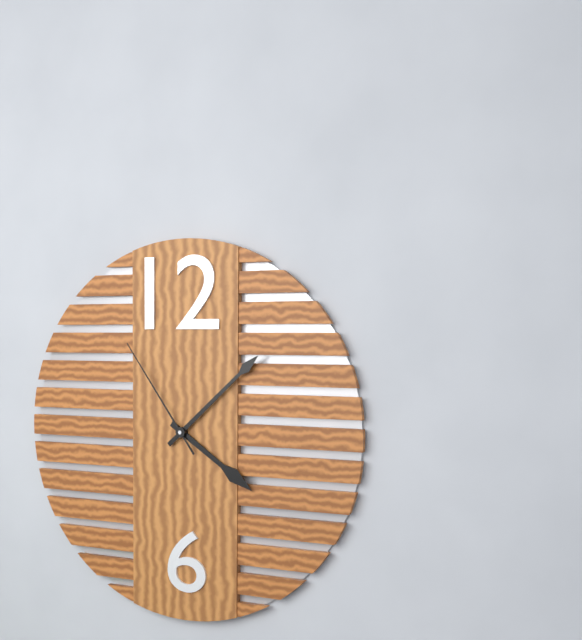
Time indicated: 4:08:54
